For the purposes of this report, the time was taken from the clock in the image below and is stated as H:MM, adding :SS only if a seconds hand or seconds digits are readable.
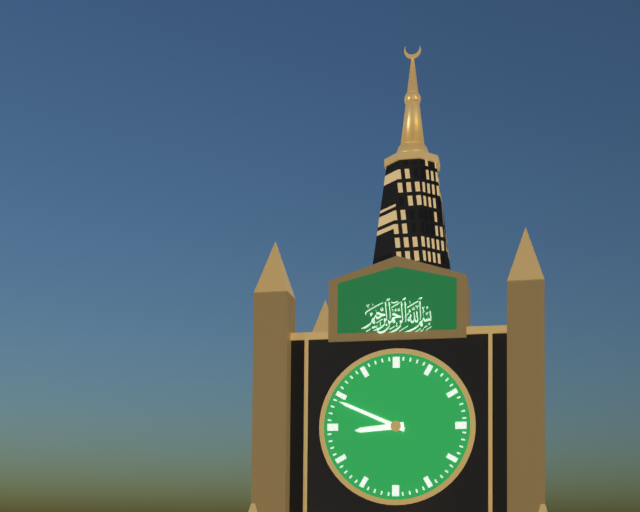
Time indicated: 8:49
